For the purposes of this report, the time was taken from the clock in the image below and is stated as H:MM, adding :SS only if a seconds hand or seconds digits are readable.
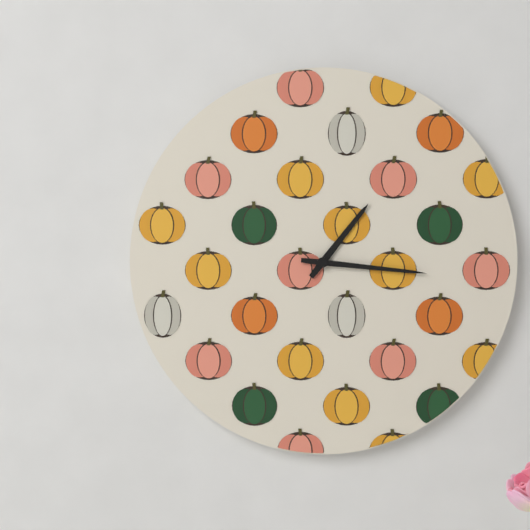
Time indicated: 1:16
